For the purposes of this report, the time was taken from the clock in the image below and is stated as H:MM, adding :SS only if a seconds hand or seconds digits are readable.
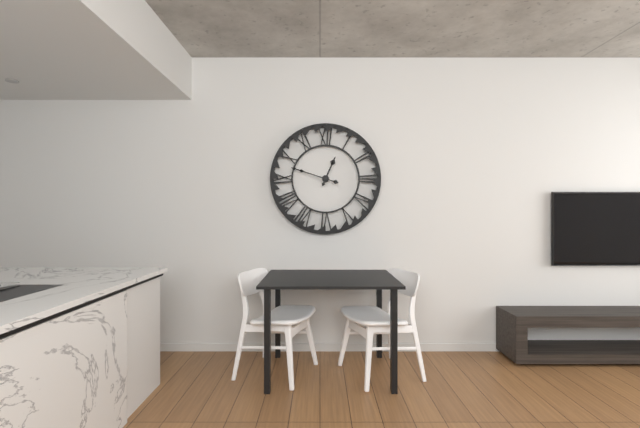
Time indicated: 12:48
